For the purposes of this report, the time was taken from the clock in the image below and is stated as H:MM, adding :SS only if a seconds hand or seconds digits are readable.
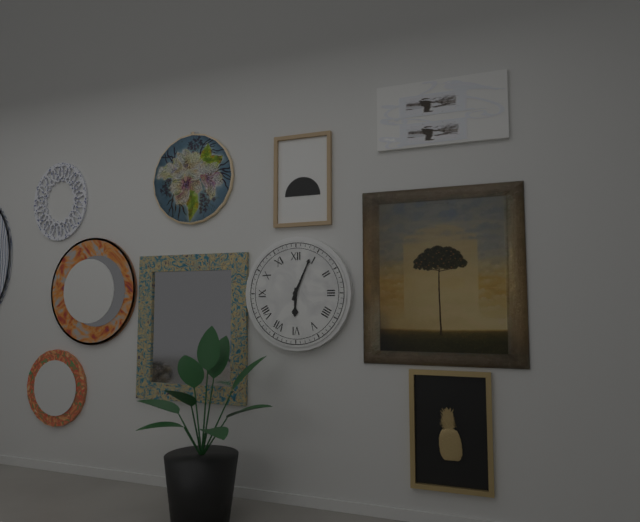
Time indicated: 6:04
